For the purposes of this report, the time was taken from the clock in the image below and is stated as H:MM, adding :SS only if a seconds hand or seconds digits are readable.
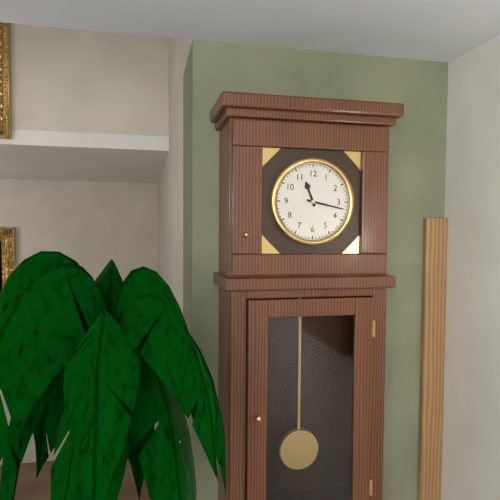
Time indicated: 11:17
